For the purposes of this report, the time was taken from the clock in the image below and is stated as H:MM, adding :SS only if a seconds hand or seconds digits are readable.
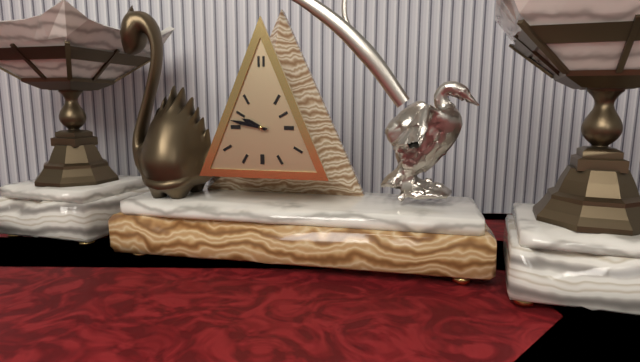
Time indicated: 9:47
